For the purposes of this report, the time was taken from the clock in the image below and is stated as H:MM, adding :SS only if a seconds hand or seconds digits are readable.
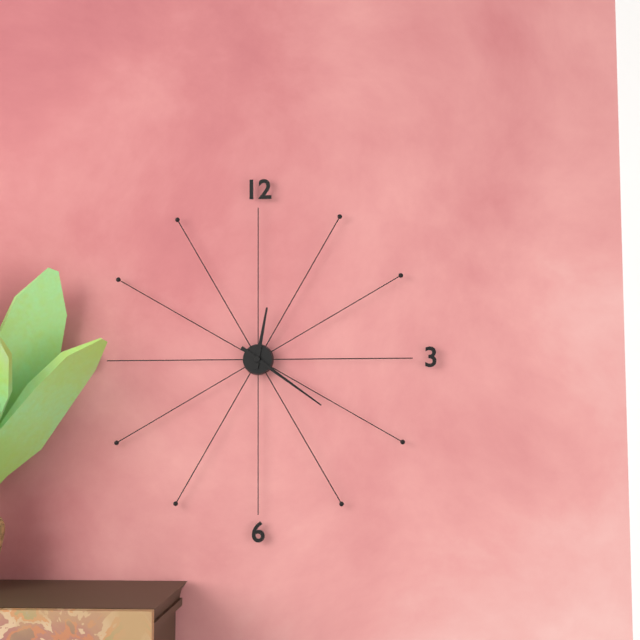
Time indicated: 12:21
